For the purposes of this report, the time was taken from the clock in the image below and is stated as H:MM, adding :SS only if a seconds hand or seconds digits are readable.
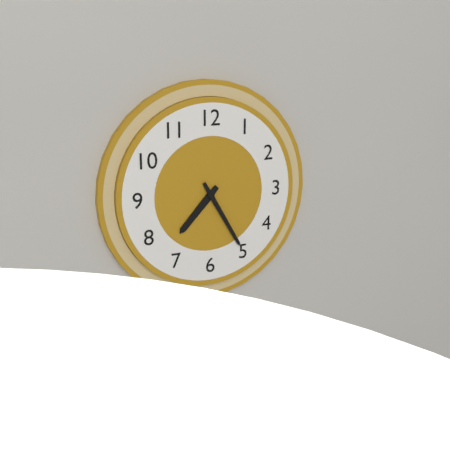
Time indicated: 7:25
